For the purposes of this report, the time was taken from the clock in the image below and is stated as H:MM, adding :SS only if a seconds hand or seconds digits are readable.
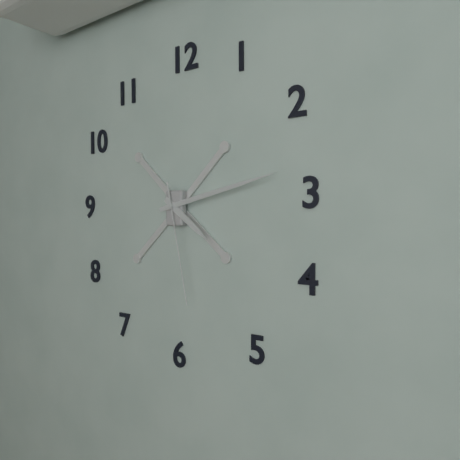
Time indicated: 4:13:28
